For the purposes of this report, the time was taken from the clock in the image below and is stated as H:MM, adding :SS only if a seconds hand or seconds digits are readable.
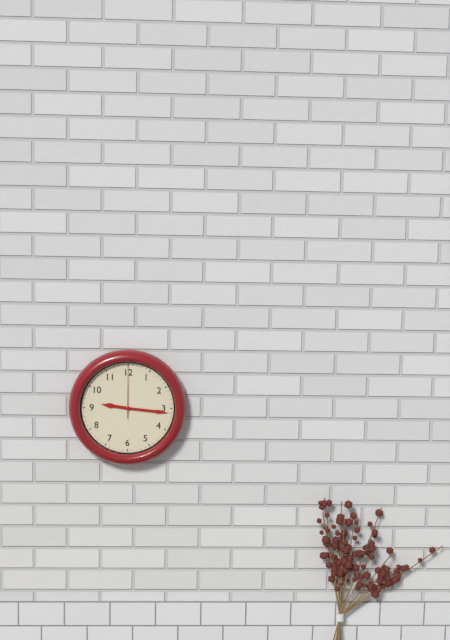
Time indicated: 9:16:00
